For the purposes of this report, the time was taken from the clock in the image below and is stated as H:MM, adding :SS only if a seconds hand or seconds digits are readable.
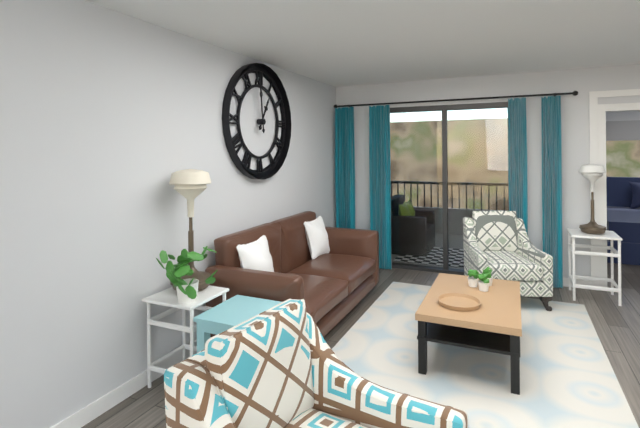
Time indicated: 12:59
